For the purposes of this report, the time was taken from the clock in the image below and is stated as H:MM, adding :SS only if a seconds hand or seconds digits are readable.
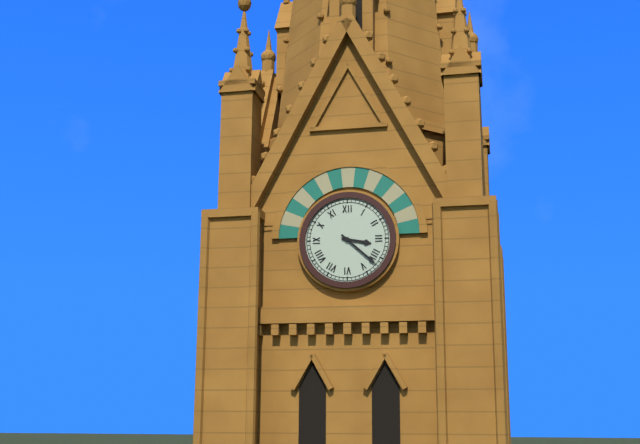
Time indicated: 3:22
